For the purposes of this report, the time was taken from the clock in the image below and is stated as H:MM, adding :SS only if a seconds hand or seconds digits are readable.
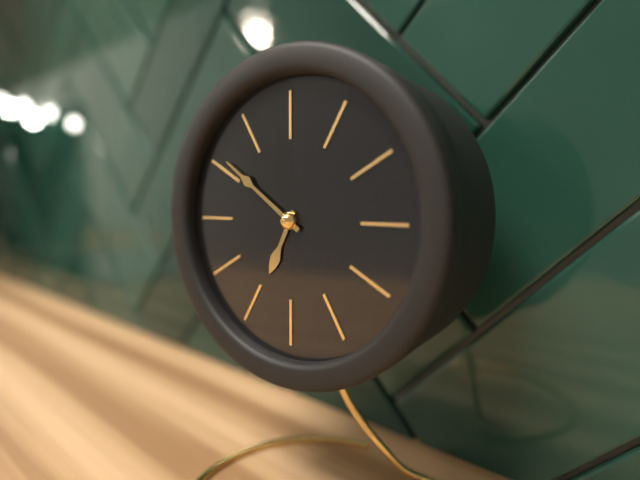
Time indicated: 6:51
